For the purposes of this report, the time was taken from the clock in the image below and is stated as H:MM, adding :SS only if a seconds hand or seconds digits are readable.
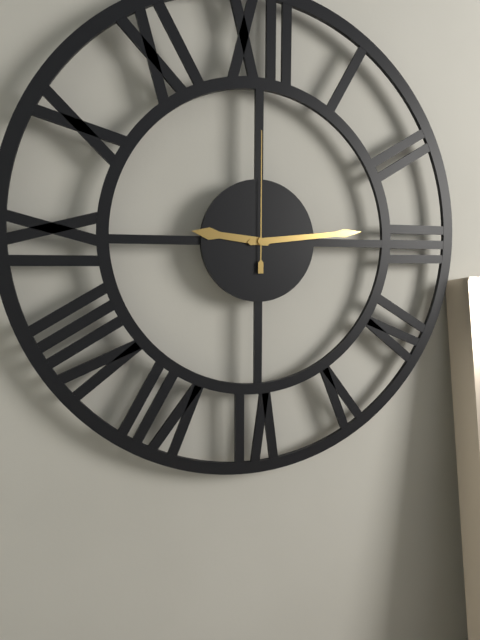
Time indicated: 9:14:00
